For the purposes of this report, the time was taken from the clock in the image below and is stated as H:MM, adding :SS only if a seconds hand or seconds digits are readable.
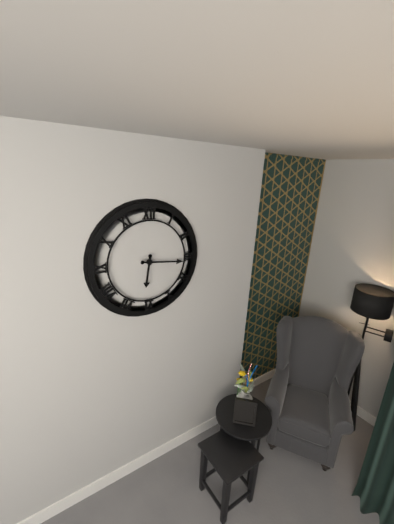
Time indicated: 6:16
